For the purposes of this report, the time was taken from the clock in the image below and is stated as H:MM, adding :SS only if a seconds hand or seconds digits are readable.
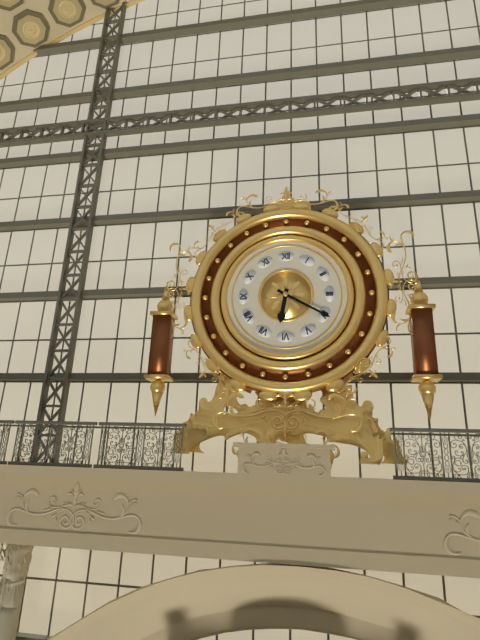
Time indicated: 6:20
